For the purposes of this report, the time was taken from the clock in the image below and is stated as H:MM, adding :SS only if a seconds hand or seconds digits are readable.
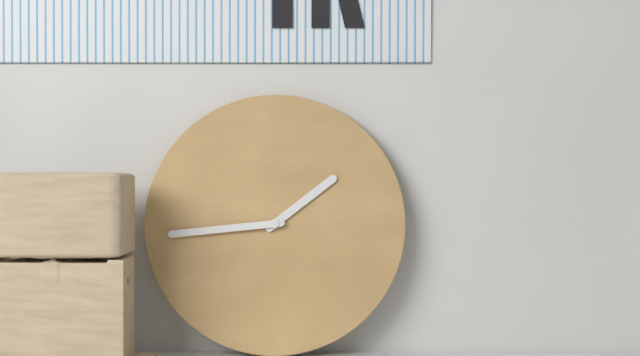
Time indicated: 1:44
